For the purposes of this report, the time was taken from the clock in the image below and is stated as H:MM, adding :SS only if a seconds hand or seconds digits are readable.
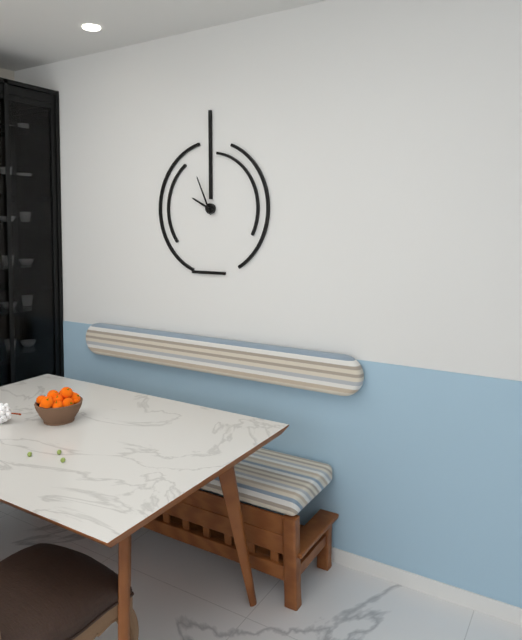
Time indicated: 9:56
